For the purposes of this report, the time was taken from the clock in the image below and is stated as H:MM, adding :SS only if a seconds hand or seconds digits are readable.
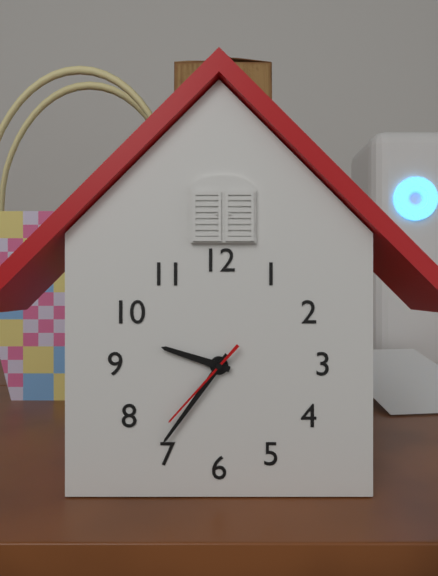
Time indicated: 9:36:37
